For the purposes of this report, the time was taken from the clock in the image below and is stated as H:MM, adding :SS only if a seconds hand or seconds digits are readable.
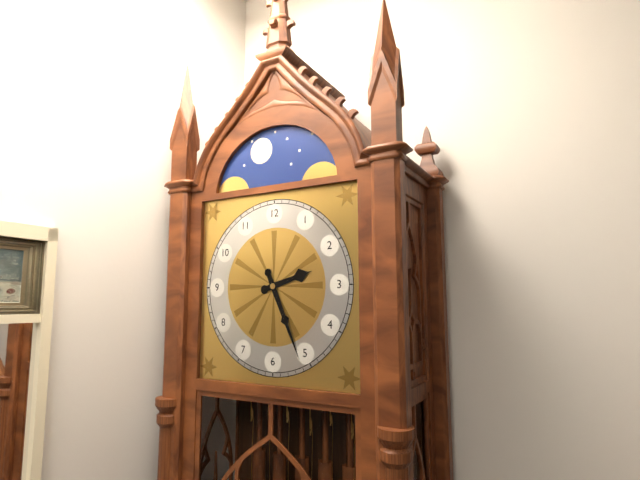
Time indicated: 2:26
